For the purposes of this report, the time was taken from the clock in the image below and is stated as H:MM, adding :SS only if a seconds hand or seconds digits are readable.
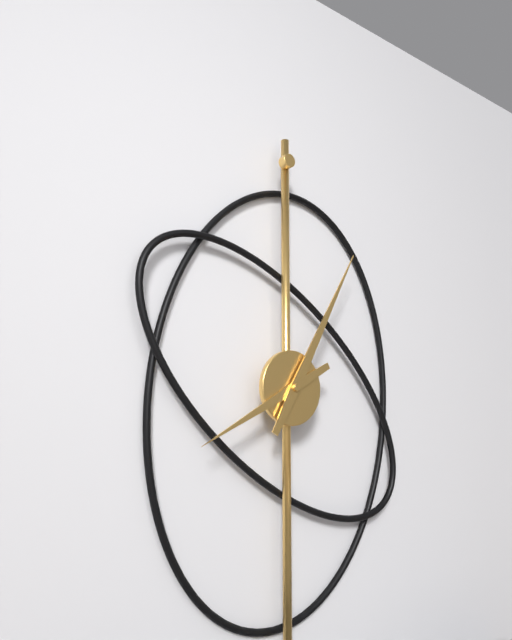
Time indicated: 8:05
